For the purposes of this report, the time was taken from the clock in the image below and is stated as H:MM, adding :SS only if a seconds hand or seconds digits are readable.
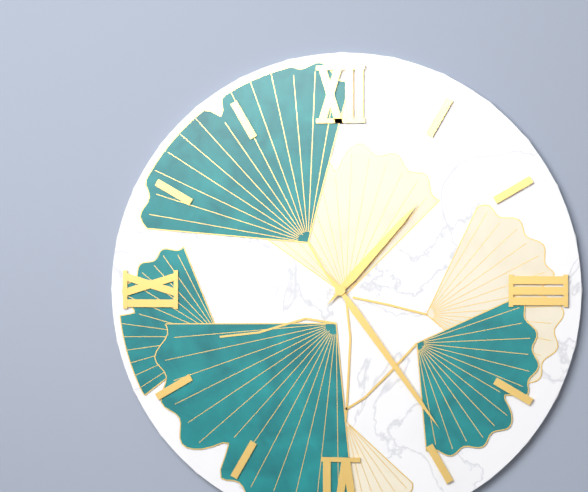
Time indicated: 1:24
